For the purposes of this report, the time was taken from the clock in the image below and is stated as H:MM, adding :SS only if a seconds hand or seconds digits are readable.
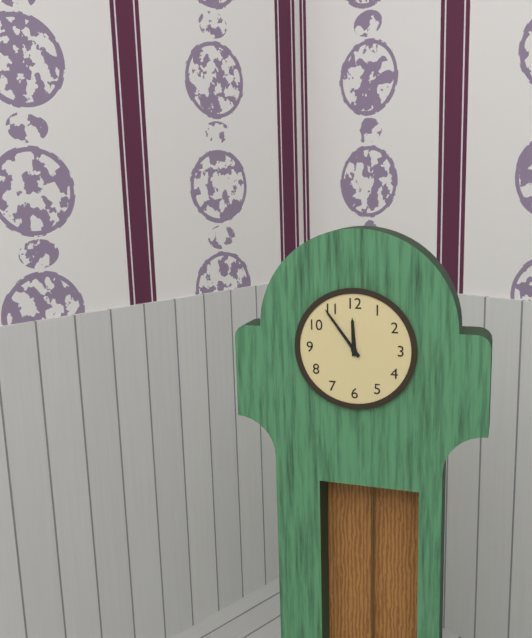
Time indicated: 11:54
